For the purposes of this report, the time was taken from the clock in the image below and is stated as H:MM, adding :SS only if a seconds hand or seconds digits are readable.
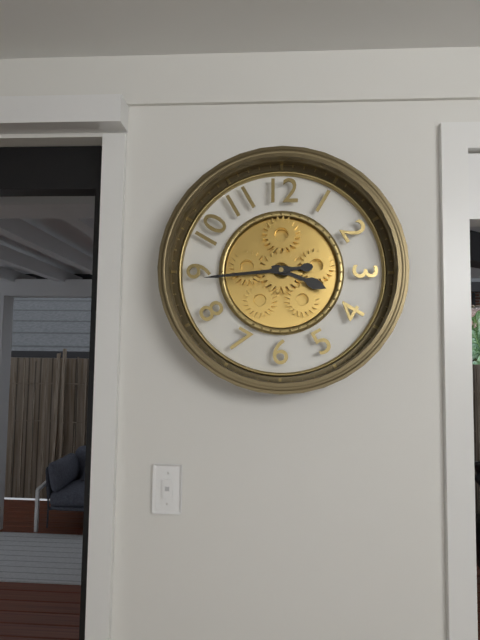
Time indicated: 3:44
